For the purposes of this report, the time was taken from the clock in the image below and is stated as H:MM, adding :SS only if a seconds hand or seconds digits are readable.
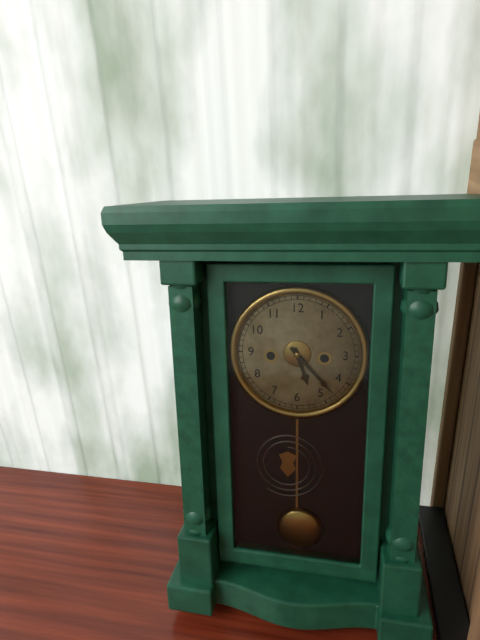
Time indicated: 5:23
